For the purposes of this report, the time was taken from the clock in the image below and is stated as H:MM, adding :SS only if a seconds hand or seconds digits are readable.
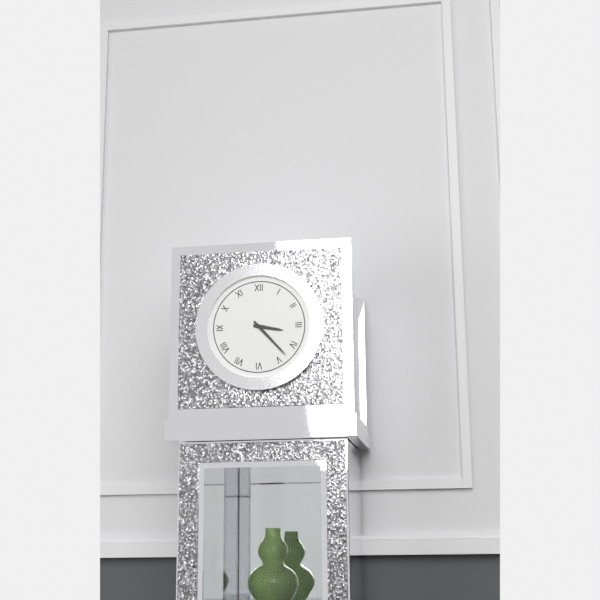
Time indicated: 3:23
